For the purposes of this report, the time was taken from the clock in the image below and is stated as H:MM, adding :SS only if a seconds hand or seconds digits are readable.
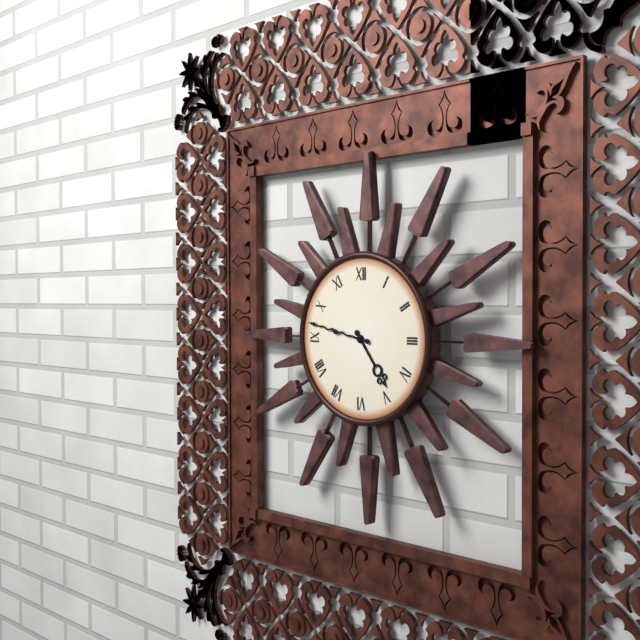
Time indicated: 4:47
